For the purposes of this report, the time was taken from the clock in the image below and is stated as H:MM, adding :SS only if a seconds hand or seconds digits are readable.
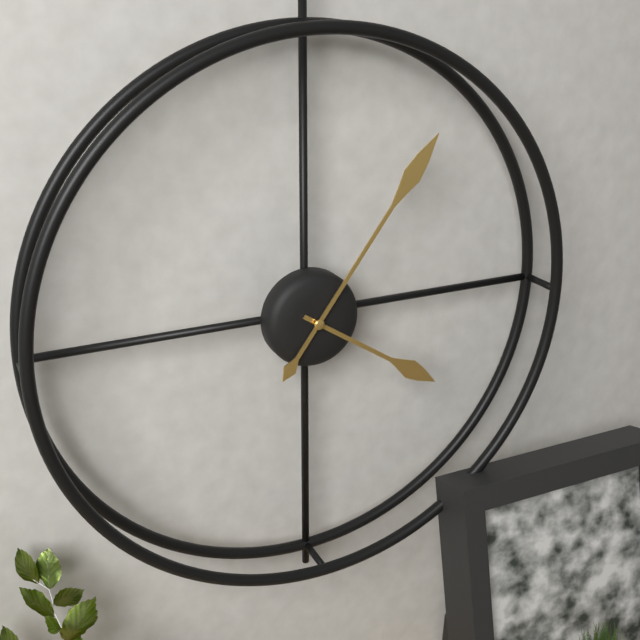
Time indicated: 4:06
